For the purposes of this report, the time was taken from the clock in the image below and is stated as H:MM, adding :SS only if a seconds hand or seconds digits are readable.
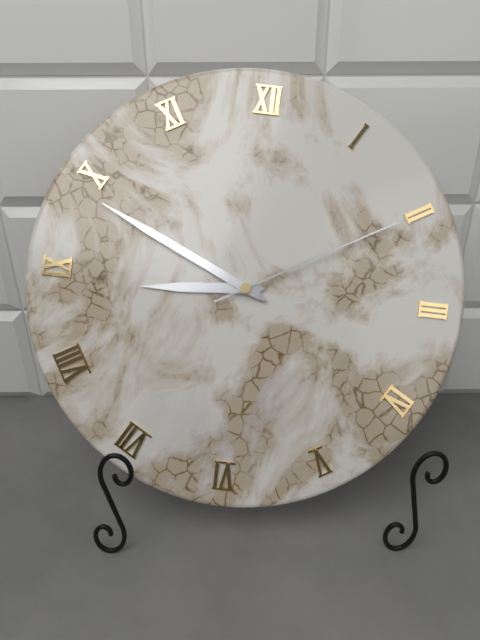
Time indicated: 8:49:10
